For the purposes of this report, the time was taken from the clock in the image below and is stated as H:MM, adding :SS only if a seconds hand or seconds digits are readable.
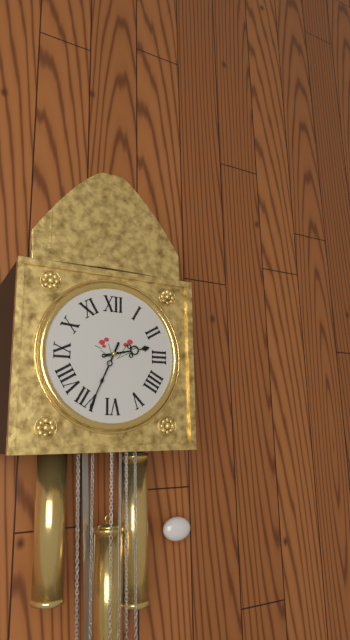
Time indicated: 2:34
